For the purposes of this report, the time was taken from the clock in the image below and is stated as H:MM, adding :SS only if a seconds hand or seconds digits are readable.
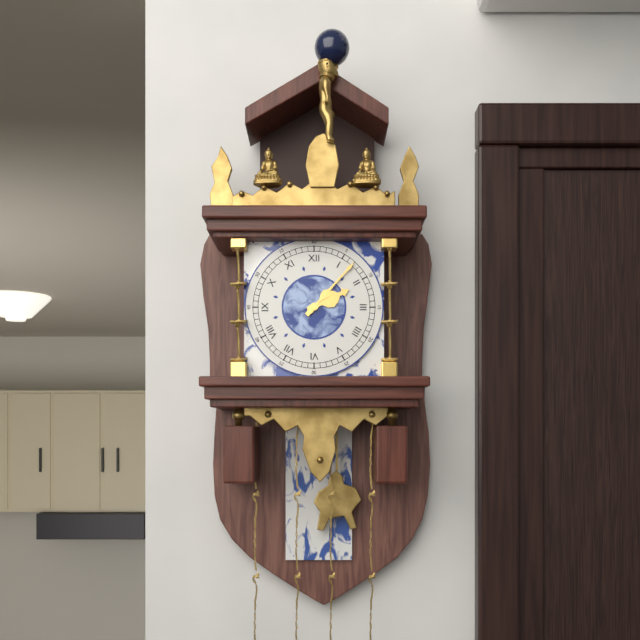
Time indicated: 2:07
